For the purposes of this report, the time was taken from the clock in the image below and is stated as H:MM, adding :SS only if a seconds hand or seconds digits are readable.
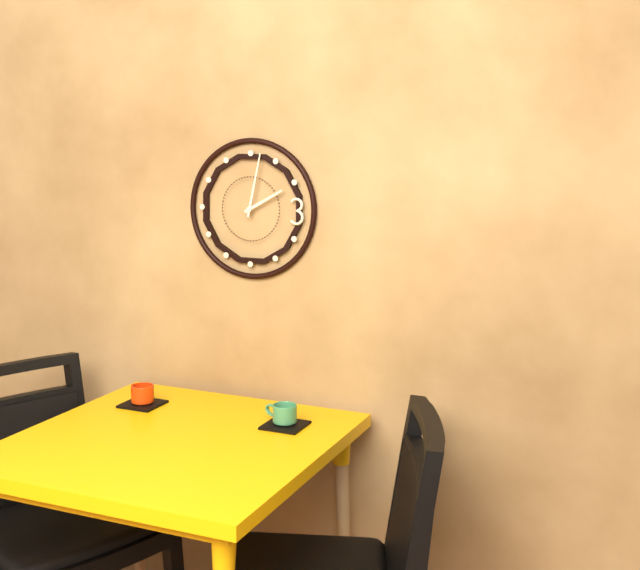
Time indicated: 2:02
